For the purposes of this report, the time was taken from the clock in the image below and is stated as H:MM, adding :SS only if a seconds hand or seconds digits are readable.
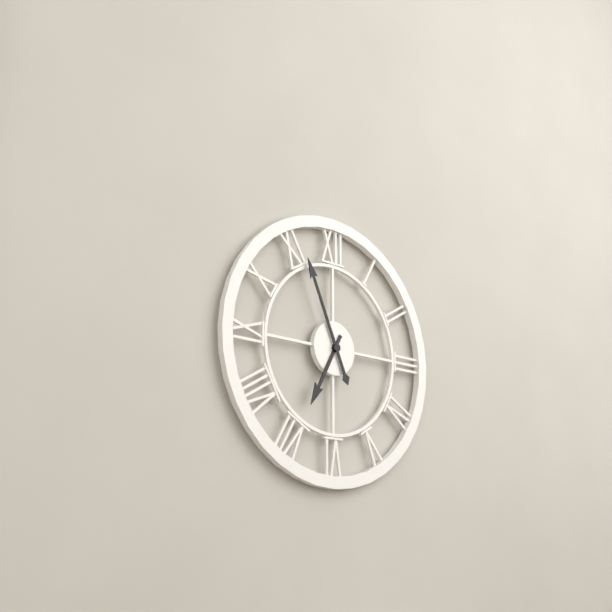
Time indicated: 6:56
